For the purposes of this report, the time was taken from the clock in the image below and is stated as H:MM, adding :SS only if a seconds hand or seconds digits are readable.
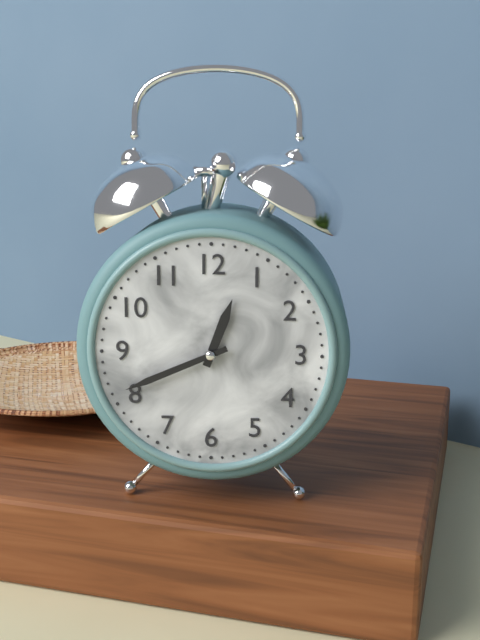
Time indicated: 12:41
